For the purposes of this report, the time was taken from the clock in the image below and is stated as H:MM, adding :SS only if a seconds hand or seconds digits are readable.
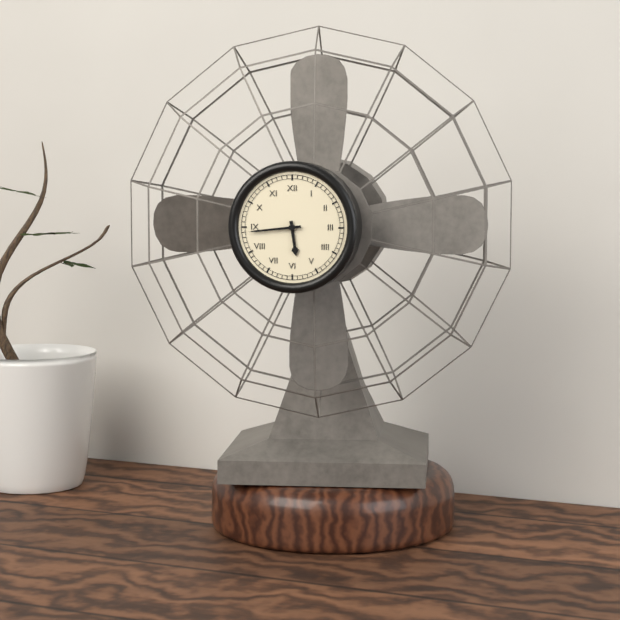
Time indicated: 5:44
